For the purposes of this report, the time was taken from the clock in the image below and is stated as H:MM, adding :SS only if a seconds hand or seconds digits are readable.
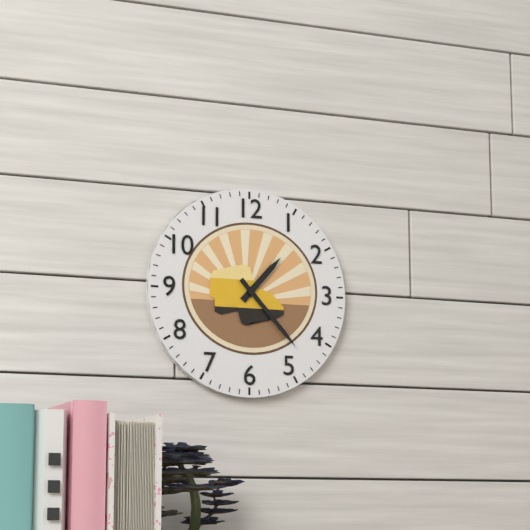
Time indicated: 1:23
